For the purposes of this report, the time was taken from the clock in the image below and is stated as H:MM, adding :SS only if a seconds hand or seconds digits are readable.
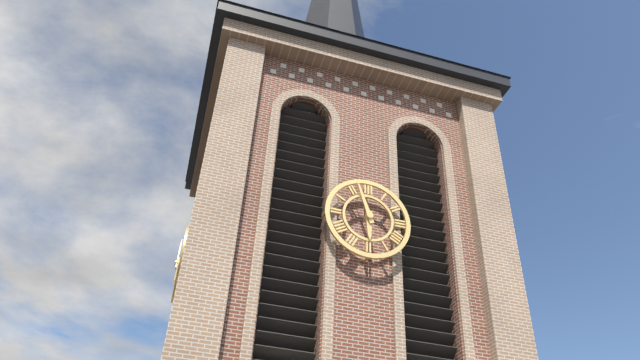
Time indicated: 5:57
